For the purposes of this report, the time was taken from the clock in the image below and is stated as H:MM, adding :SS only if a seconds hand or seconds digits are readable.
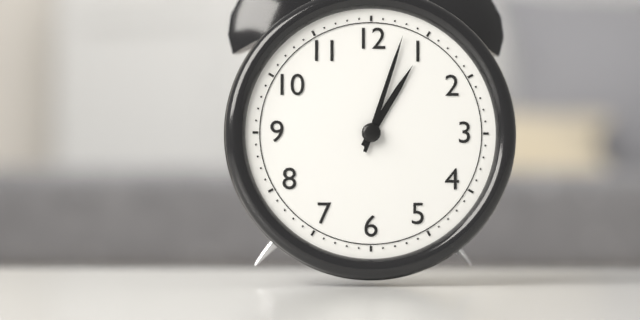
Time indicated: 1:03
